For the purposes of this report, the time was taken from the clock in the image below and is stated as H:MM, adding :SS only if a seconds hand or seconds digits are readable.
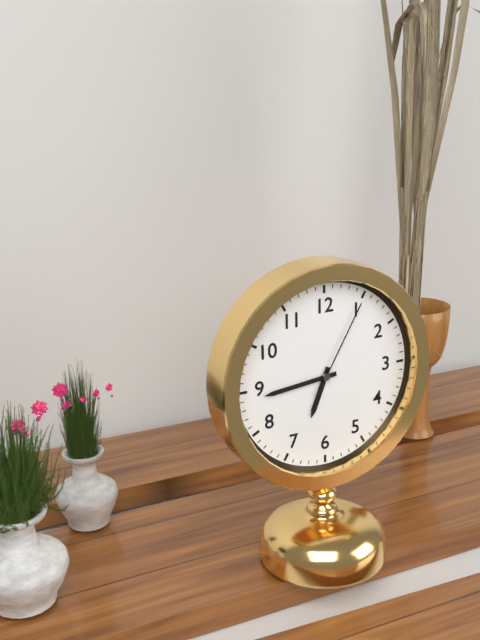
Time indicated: 6:44:05
